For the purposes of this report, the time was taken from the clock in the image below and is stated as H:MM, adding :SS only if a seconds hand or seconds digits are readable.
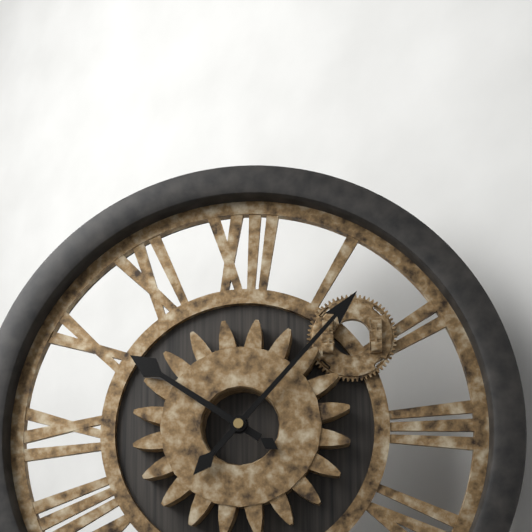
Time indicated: 10:07
